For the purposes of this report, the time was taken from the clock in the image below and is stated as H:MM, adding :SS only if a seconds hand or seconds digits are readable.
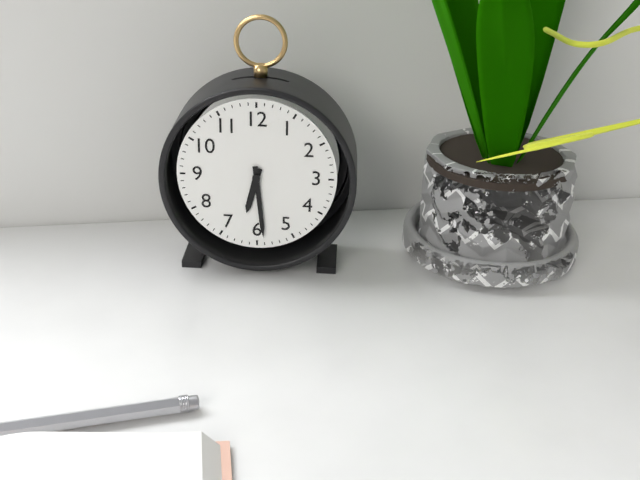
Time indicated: 6:29
